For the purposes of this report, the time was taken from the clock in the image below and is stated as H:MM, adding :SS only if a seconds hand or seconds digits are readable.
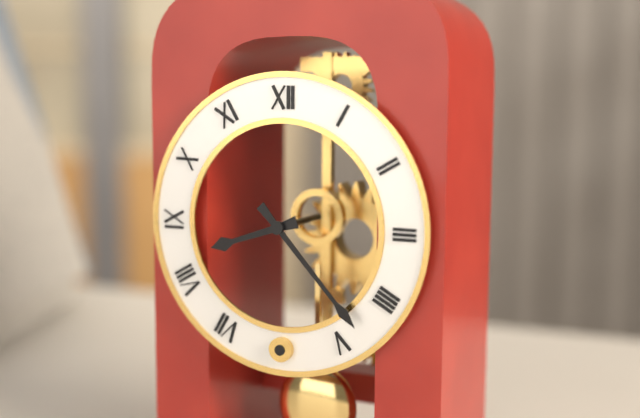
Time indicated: 8:23
